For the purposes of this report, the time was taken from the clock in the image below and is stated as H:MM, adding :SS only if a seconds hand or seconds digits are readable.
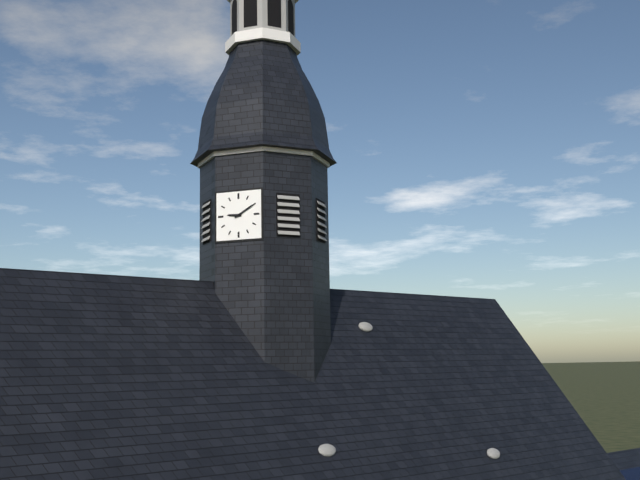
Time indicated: 9:10
